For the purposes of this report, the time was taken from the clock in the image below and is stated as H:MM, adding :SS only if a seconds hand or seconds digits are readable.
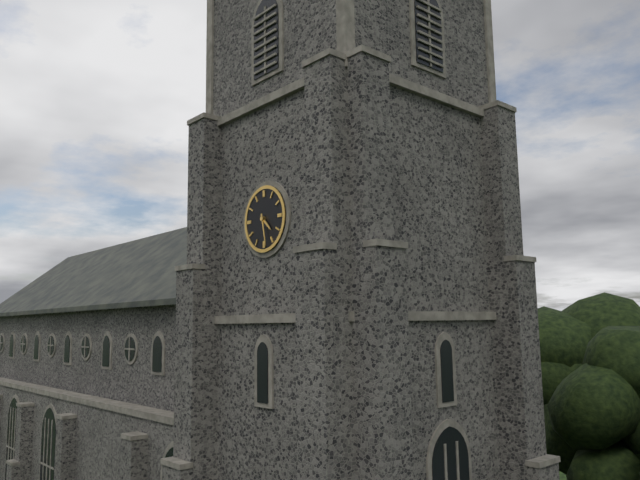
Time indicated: 4:28
